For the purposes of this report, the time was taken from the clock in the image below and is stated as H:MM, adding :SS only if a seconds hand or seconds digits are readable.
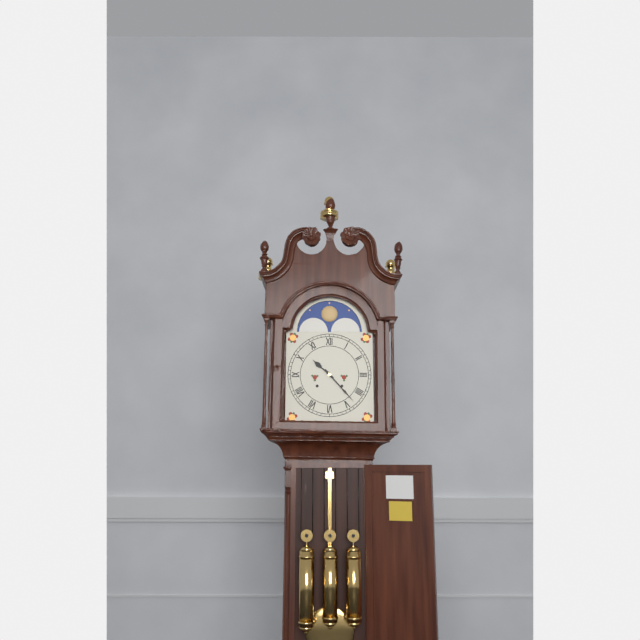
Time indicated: 10:23
